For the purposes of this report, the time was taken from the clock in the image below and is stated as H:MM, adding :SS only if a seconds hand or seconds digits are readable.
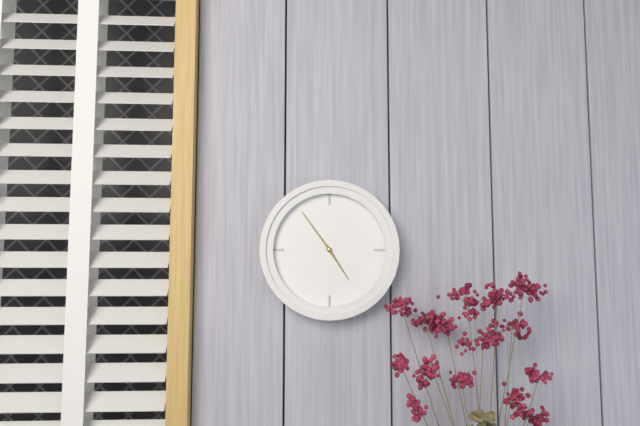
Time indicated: 4:54
